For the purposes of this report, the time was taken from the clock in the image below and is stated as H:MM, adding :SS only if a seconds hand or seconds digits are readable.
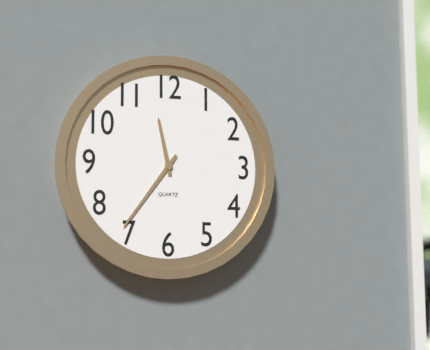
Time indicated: 11:36
